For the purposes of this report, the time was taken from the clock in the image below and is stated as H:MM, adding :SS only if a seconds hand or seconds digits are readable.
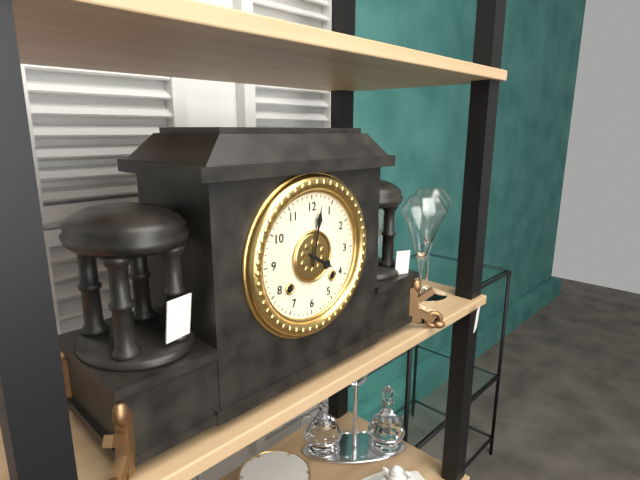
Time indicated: 4:02
